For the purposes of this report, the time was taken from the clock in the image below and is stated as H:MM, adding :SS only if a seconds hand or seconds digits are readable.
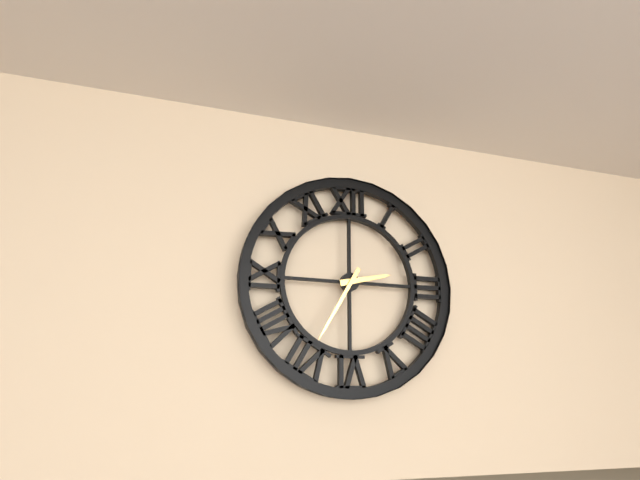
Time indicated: 2:35
